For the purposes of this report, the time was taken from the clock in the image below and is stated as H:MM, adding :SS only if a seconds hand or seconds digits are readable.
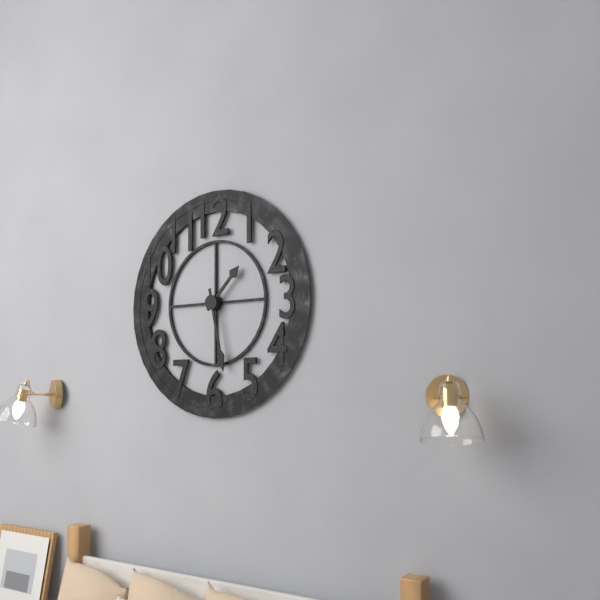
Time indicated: 1:28
